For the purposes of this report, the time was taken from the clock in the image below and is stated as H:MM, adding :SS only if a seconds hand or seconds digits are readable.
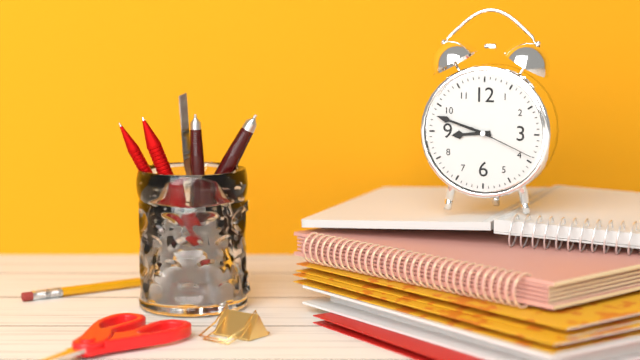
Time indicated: 8:48:19
